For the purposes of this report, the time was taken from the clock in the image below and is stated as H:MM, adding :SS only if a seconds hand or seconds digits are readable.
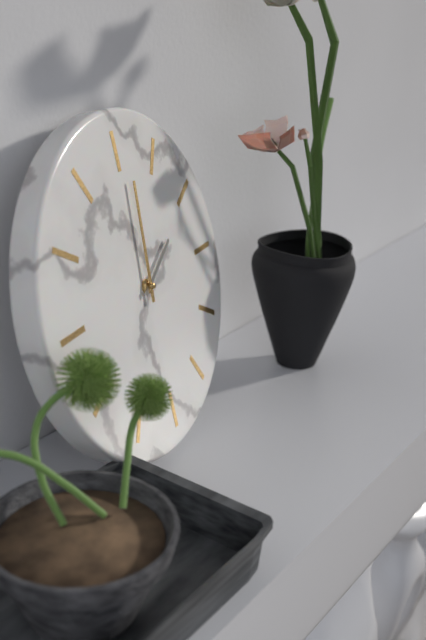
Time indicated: 2:01
